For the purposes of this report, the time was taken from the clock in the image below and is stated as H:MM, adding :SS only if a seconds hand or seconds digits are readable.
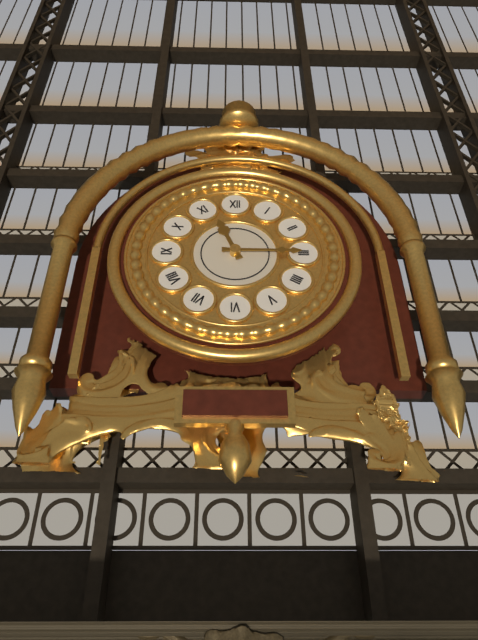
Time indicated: 11:15
